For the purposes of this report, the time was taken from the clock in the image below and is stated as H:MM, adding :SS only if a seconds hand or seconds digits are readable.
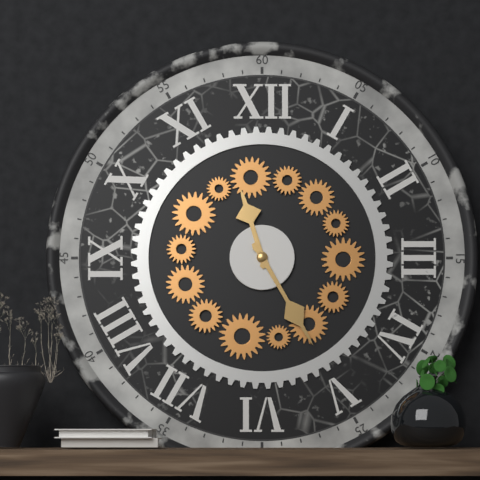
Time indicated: 11:25
